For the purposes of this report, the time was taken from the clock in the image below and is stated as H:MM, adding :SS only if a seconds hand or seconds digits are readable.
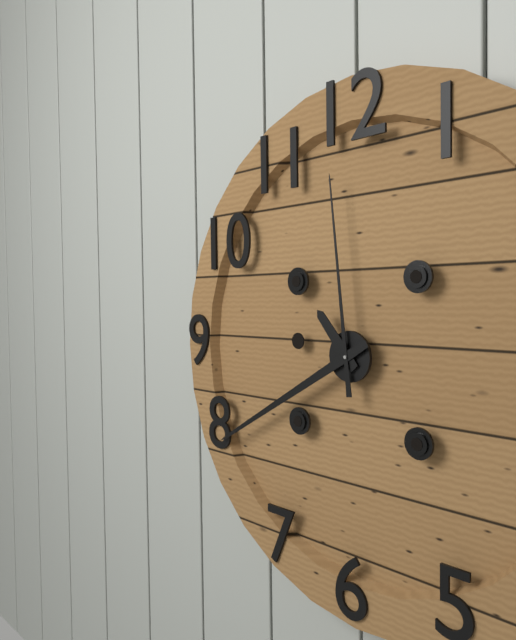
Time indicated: 10:40:59
